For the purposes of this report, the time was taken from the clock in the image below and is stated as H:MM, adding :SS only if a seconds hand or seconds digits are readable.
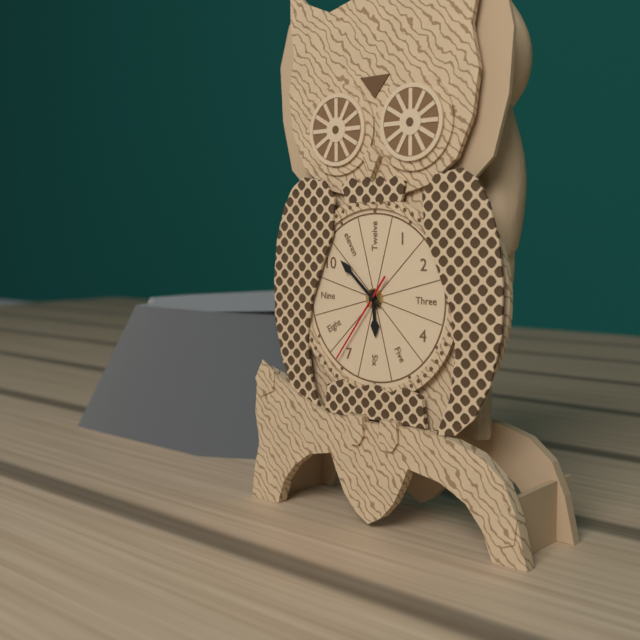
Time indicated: 5:52:36
